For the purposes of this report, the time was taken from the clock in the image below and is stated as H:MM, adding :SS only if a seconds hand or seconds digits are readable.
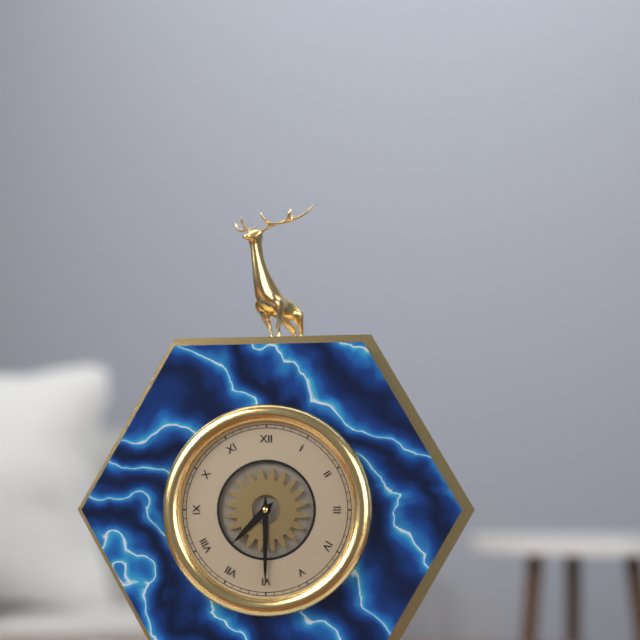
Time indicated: 7:30
